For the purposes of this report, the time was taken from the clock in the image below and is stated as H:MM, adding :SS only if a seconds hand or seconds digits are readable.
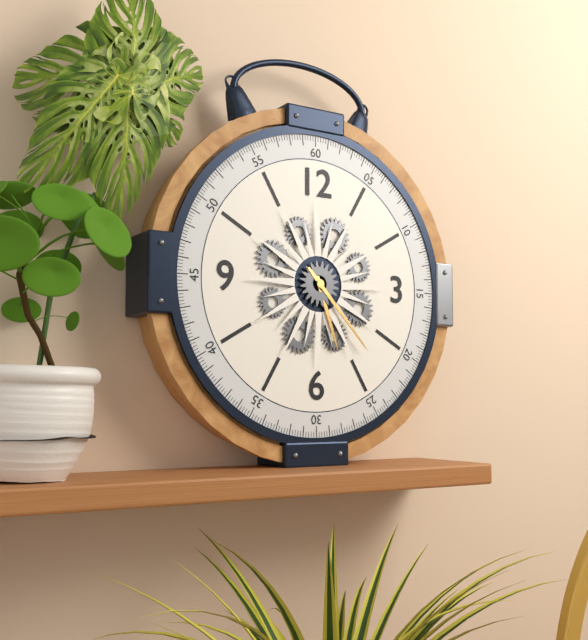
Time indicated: 5:23
